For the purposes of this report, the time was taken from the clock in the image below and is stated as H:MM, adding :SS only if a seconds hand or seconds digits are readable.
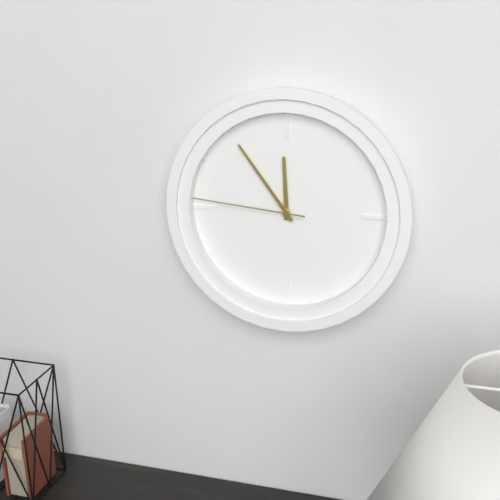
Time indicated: 11:54:46
